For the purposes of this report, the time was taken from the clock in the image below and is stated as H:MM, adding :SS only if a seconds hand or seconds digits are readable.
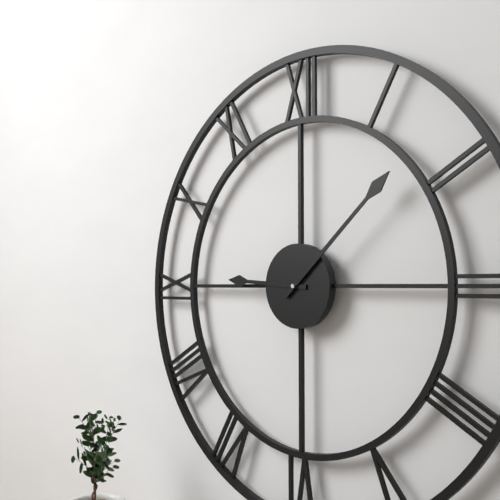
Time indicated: 9:08
